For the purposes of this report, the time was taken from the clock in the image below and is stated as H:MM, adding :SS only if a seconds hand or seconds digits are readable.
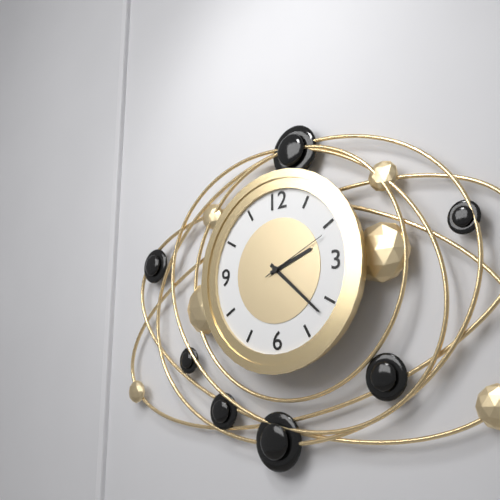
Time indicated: 2:22:11
